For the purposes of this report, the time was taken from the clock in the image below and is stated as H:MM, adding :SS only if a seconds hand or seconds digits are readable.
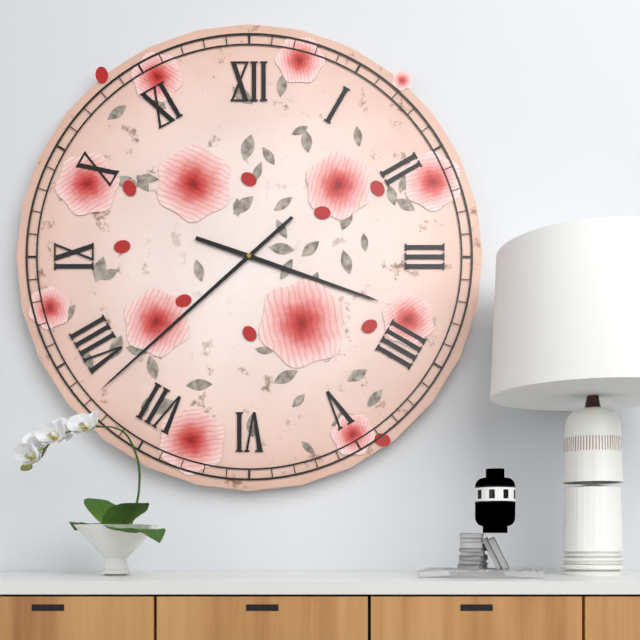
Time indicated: 3:38
